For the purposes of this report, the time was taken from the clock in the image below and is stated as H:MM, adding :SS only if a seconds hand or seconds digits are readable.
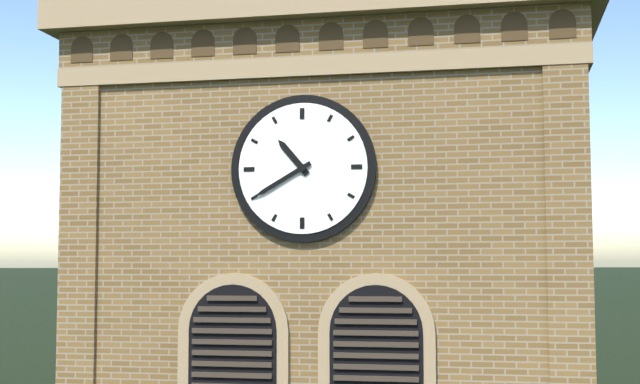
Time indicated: 10:40
